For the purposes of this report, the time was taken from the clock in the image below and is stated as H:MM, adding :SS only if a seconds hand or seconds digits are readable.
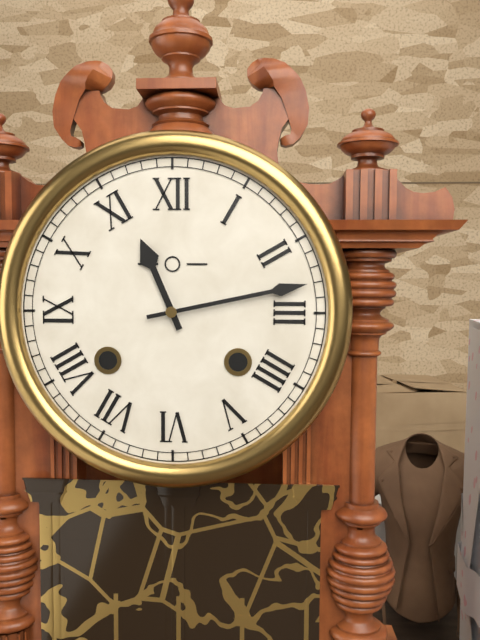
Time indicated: 11:13
